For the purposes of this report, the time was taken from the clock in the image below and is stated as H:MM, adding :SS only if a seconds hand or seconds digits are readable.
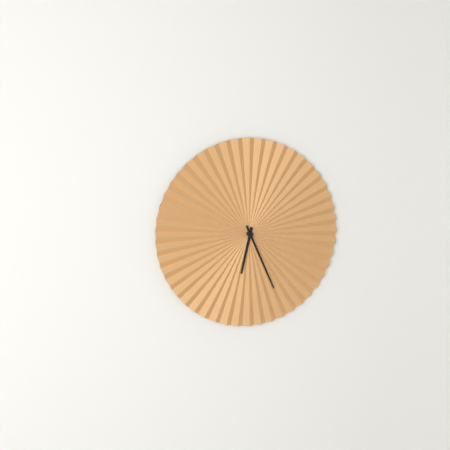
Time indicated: 6:26
